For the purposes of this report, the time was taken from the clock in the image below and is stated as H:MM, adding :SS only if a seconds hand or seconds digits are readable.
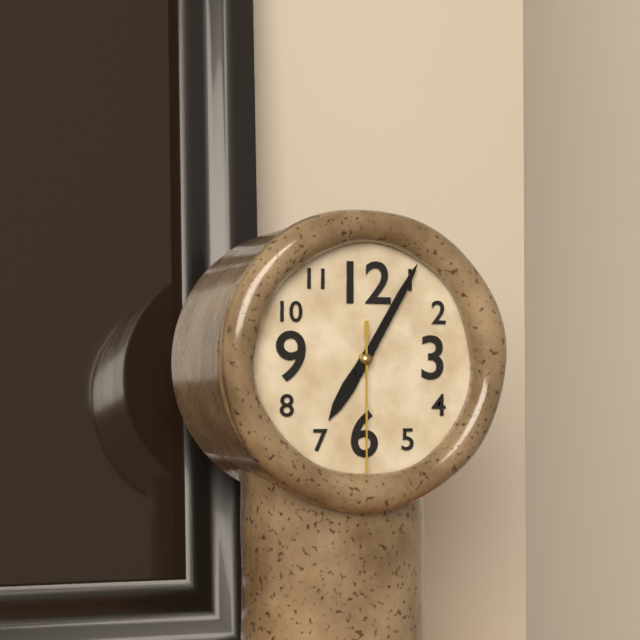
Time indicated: 7:05:30
